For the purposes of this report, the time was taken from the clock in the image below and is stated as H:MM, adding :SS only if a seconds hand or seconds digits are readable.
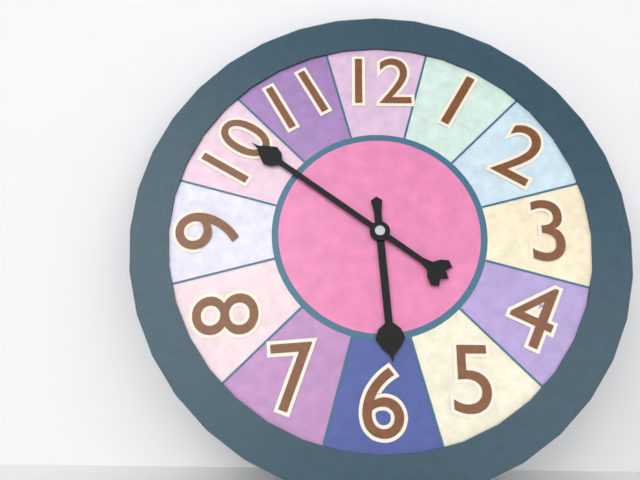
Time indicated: 5:51
